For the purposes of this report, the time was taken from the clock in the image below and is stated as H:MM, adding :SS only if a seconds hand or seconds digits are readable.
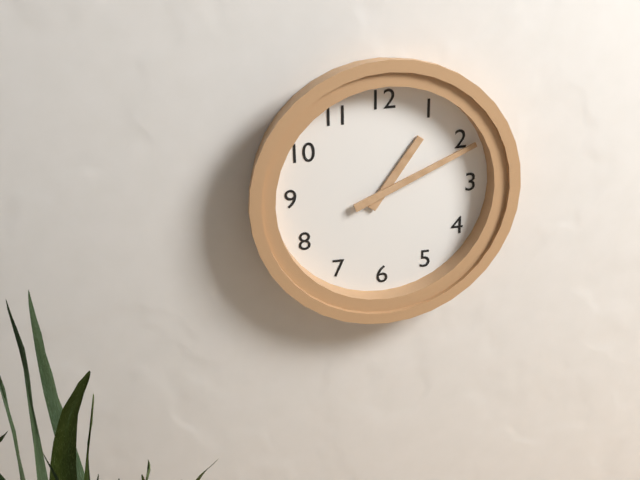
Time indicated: 1:11
